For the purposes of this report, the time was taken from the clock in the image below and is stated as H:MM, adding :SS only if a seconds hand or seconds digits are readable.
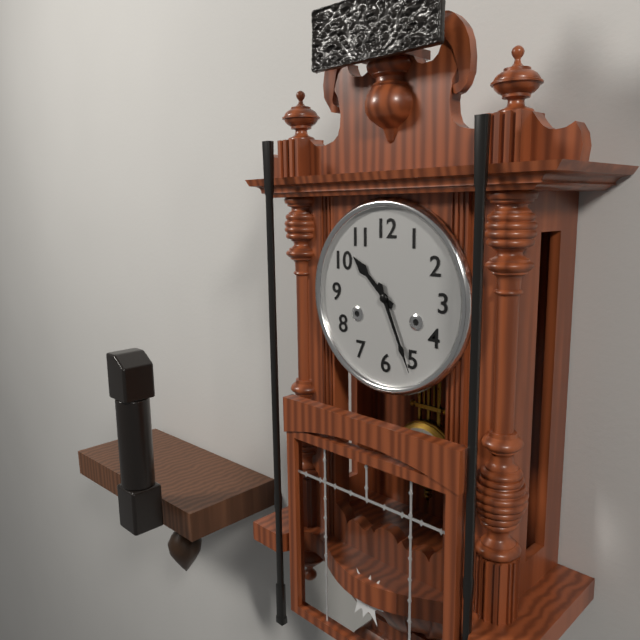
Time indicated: 10:26
